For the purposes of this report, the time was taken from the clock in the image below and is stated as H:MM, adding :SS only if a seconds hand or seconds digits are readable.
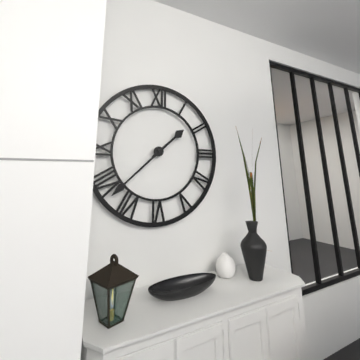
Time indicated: 1:38
